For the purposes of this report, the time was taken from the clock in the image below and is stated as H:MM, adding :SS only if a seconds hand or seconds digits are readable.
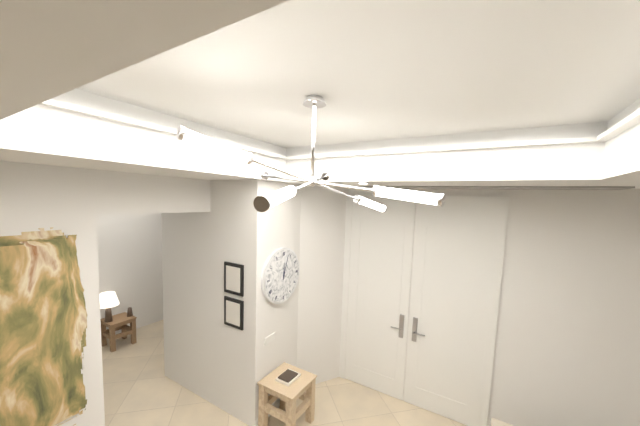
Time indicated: 12:03
